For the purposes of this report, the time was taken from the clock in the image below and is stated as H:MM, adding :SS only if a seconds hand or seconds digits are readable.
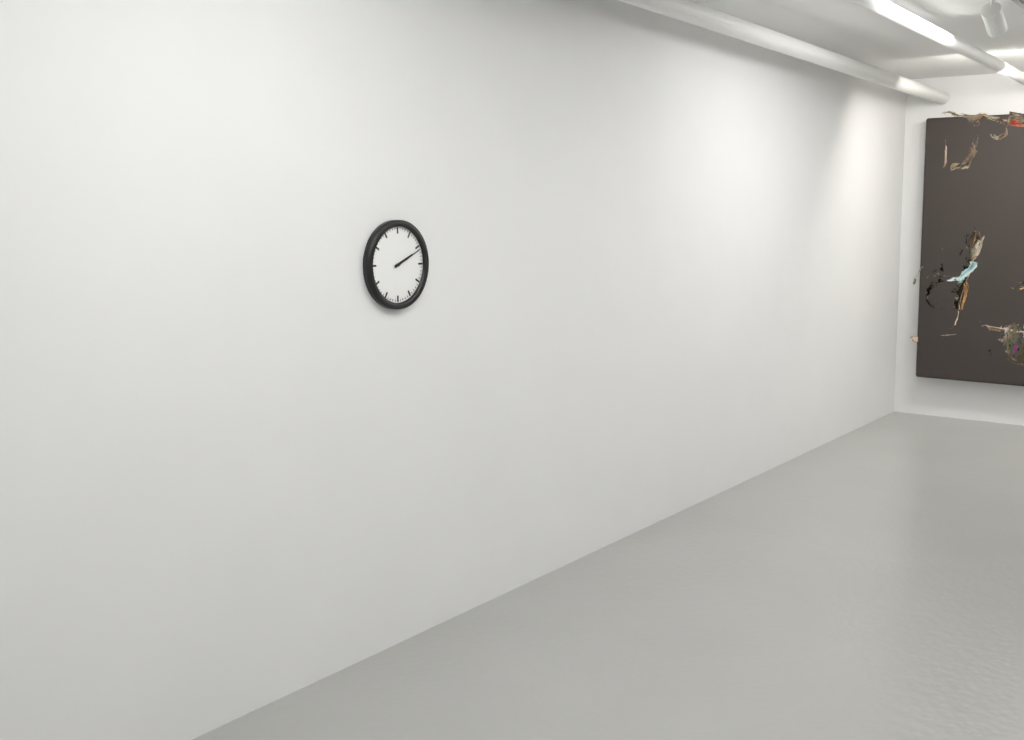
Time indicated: 2:11
